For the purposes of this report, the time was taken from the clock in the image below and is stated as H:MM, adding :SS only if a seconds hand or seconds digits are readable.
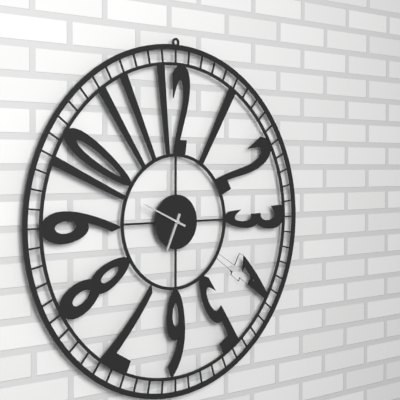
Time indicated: 6:49
